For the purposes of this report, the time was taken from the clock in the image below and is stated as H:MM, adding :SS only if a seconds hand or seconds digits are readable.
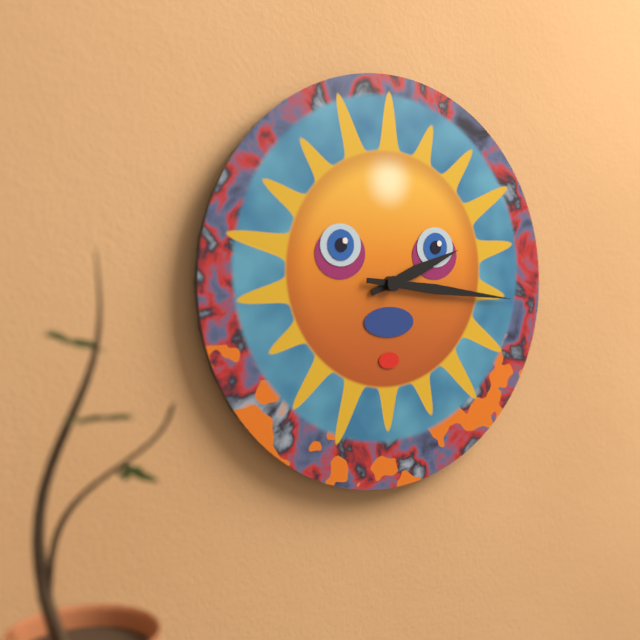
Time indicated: 2:16
